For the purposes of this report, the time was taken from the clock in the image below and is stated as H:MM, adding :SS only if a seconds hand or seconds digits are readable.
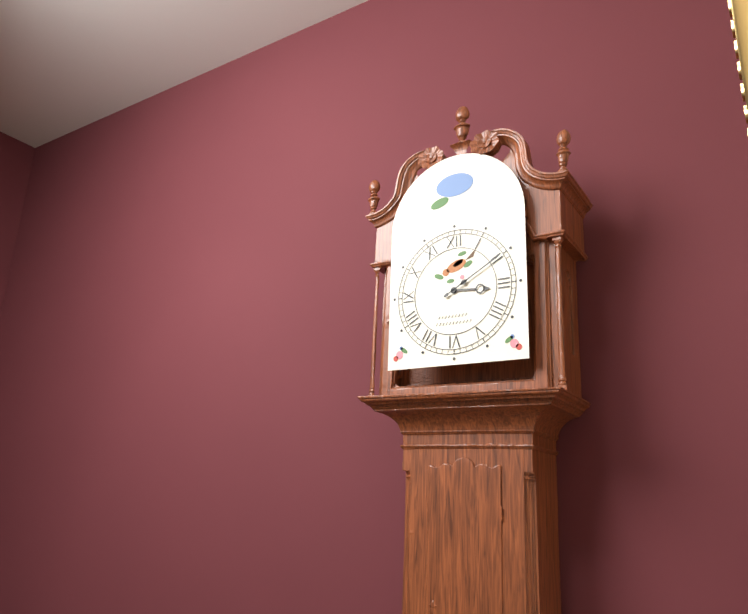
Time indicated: 3:10
